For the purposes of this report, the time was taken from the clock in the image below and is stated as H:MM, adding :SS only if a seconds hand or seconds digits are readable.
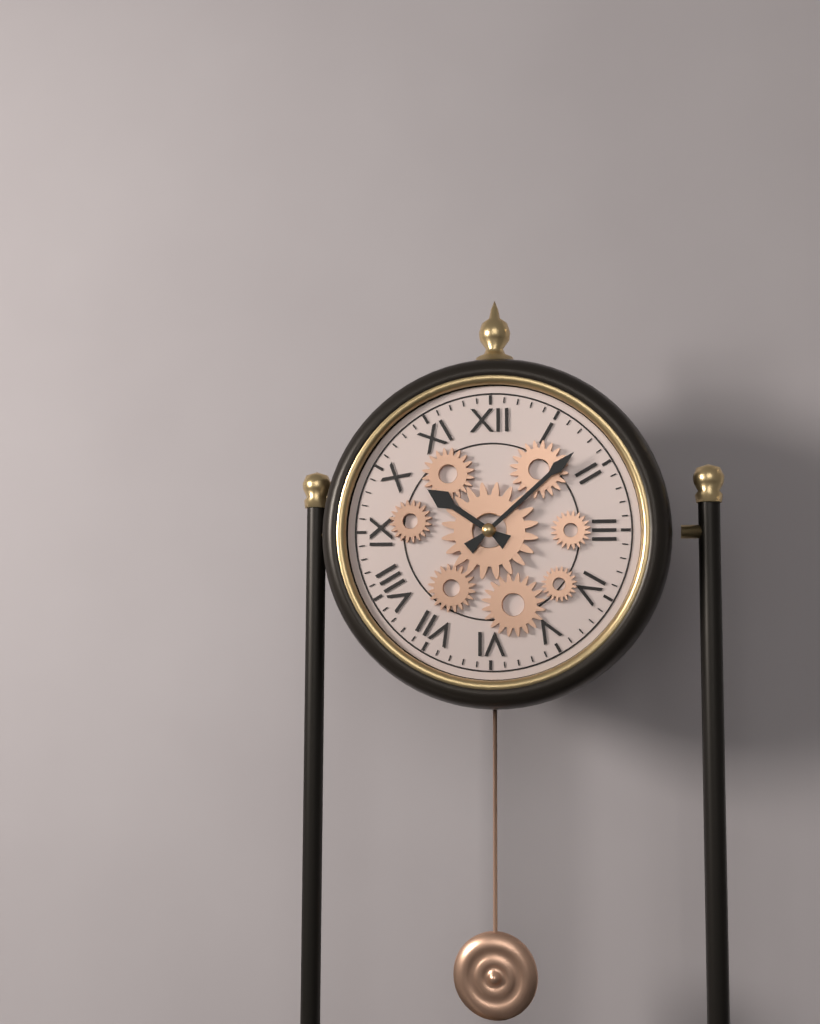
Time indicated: 10:08
